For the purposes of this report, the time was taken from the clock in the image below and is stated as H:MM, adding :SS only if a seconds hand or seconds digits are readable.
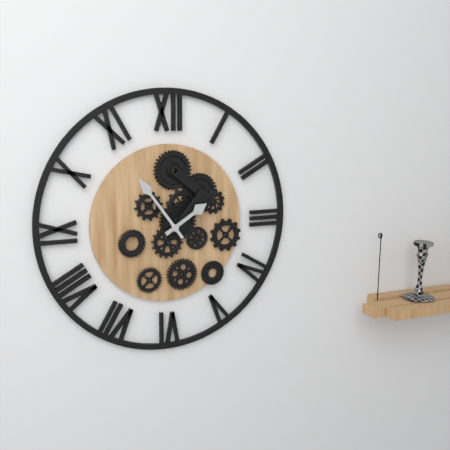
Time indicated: 1:54
